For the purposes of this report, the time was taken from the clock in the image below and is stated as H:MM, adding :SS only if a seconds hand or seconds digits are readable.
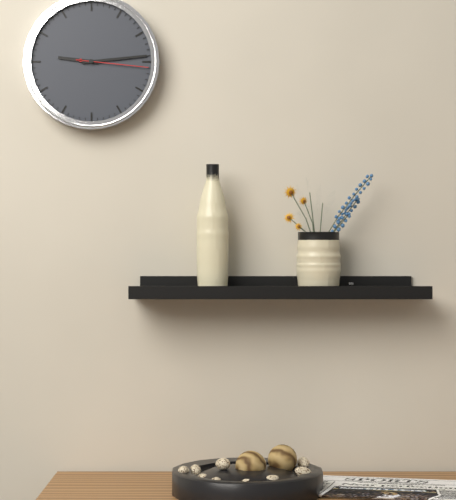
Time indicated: 9:14:16
